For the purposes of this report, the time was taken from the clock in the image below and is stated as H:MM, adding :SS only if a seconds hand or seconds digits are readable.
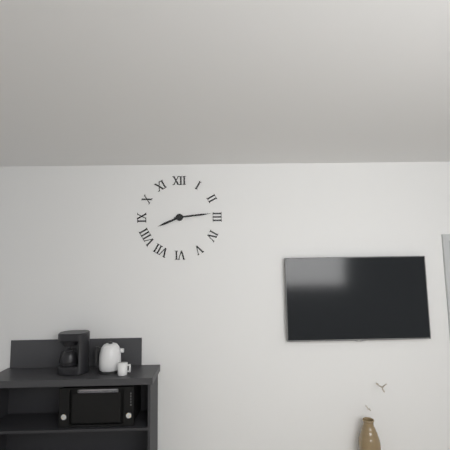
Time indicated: 8:14
